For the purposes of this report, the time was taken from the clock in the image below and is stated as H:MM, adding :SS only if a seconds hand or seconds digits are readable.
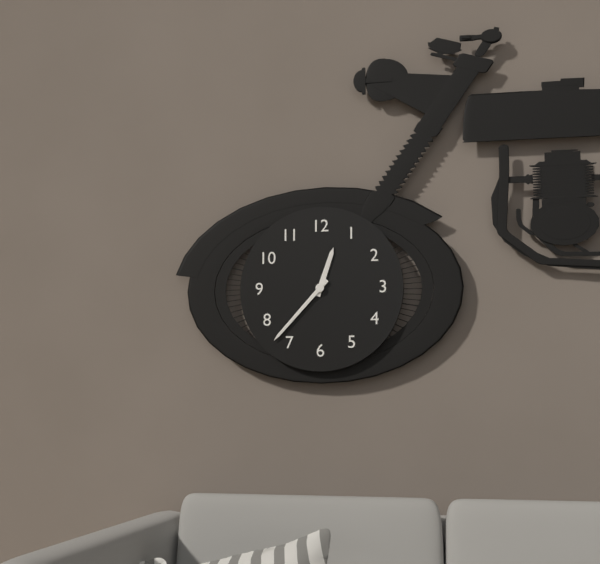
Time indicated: 12:37
